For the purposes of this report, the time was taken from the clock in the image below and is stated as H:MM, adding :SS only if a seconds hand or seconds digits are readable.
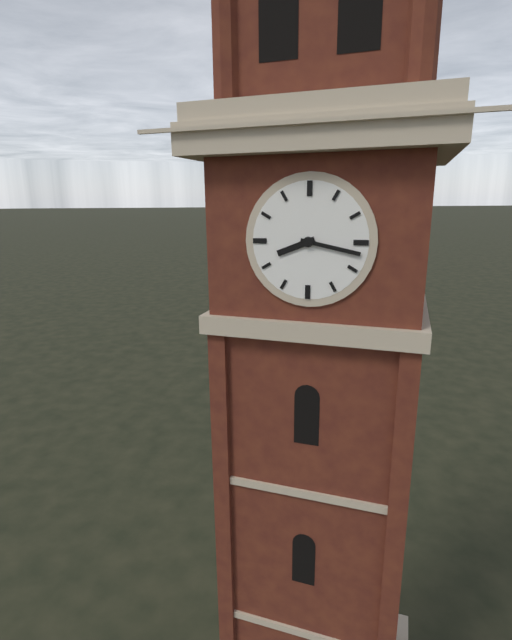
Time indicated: 8:17
